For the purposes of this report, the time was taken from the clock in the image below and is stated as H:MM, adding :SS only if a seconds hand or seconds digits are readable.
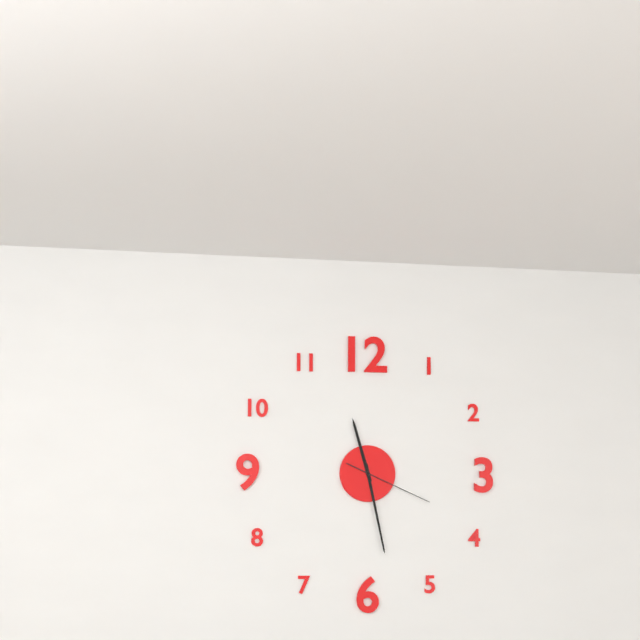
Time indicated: 11:28:19
